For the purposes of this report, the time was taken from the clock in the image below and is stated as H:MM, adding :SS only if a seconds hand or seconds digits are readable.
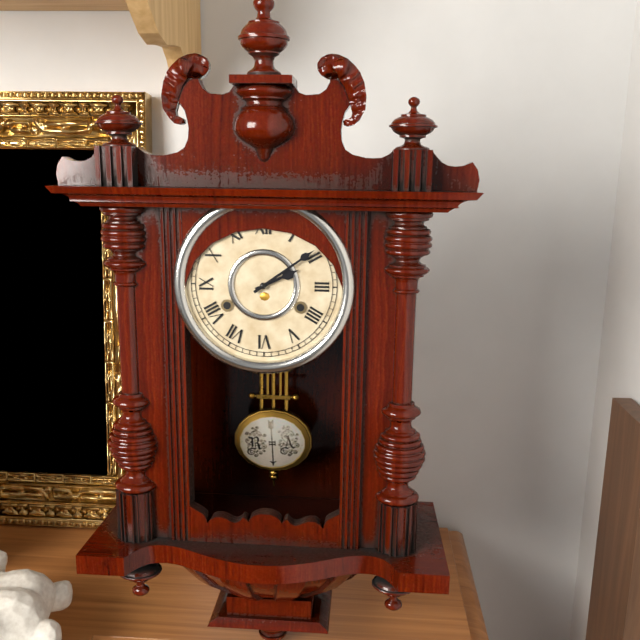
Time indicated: 2:09
